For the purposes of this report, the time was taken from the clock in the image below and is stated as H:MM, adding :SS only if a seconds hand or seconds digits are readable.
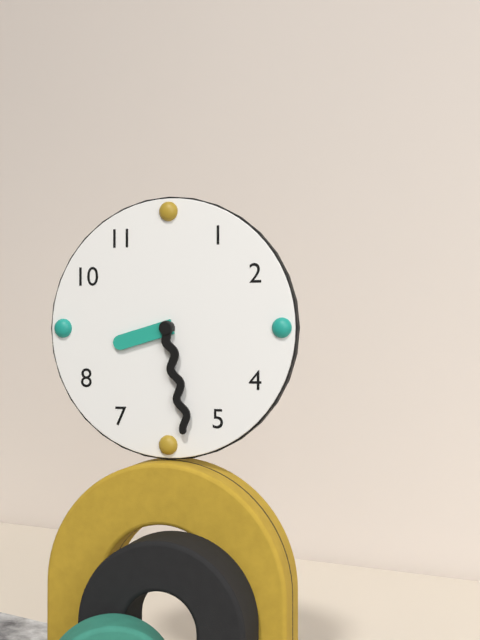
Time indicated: 8:28
